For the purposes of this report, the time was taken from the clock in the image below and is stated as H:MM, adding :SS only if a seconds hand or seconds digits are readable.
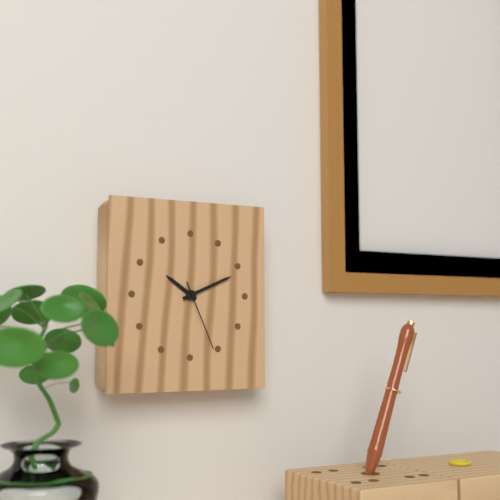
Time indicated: 10:11:26
